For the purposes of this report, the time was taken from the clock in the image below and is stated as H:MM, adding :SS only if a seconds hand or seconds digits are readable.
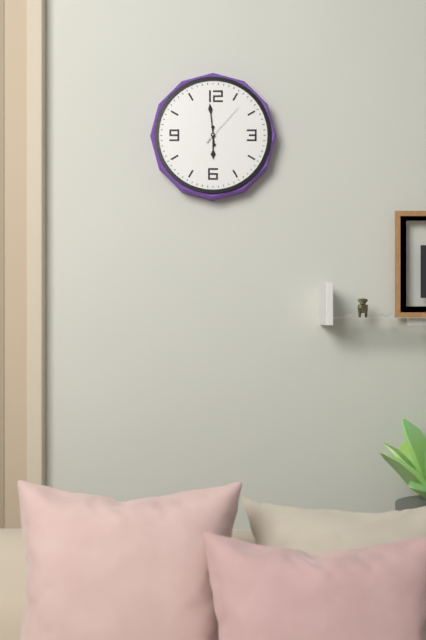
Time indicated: 5:59
